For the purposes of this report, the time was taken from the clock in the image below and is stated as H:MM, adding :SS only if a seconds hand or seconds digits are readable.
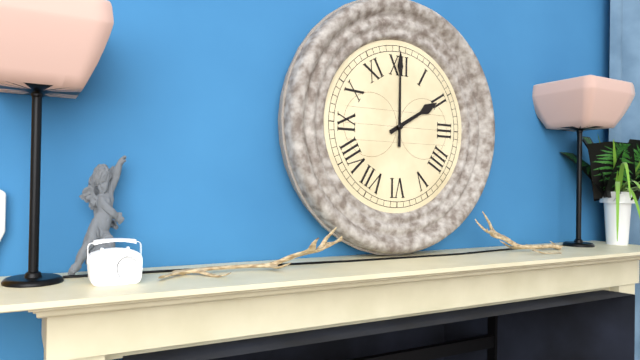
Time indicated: 2:00
